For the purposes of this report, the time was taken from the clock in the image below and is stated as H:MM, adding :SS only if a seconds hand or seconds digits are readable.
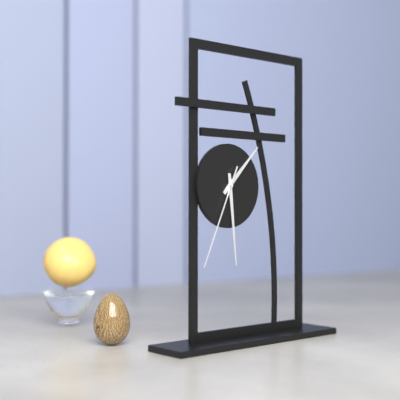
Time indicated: 1:29:34
